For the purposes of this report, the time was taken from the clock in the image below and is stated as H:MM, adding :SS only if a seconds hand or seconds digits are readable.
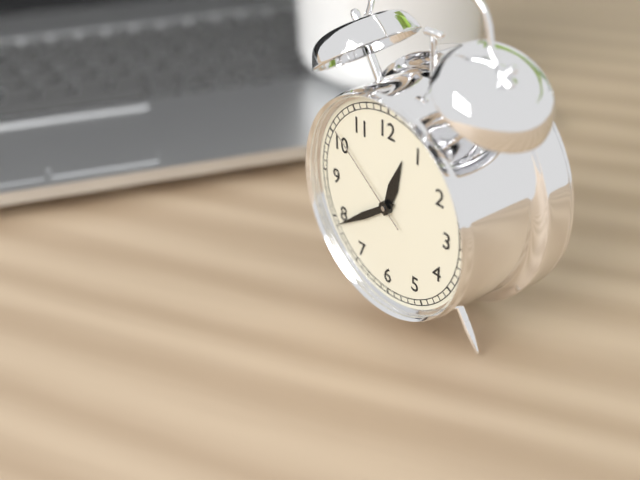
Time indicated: 12:39:51
